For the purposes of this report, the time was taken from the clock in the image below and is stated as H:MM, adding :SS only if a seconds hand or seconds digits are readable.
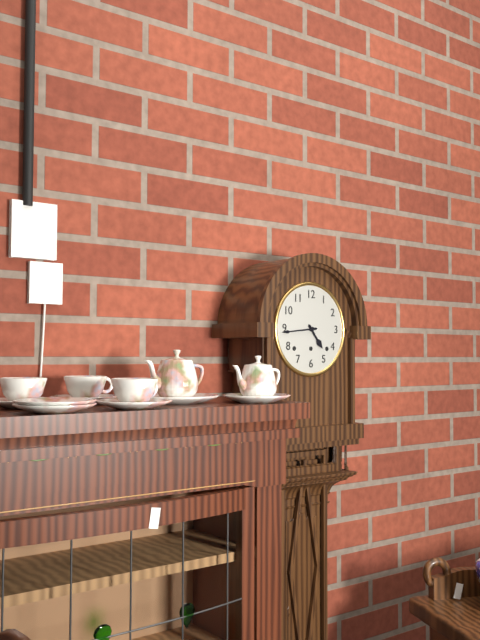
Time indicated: 4:44
